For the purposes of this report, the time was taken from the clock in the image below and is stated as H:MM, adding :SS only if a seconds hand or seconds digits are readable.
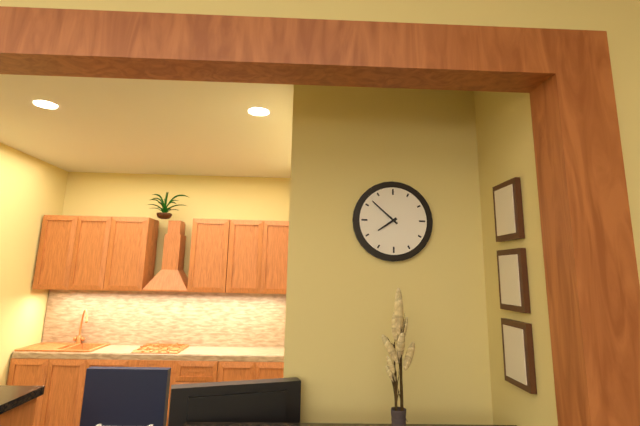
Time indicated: 7:52
